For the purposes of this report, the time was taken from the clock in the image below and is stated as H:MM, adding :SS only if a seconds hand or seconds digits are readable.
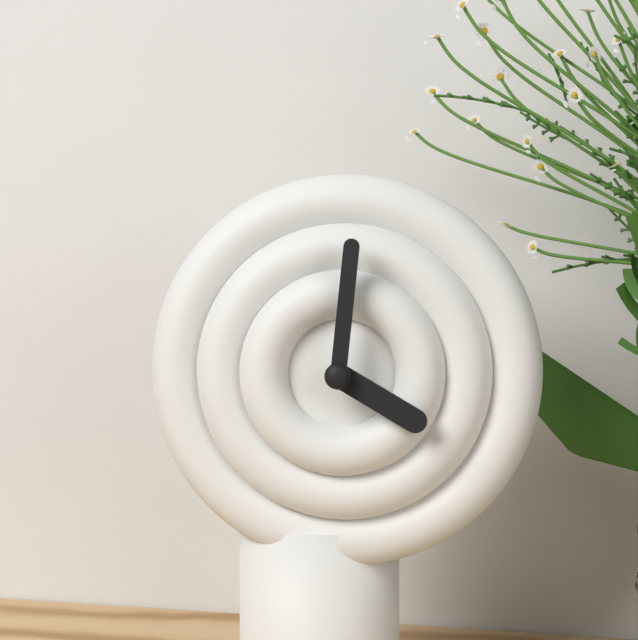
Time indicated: 4:01
